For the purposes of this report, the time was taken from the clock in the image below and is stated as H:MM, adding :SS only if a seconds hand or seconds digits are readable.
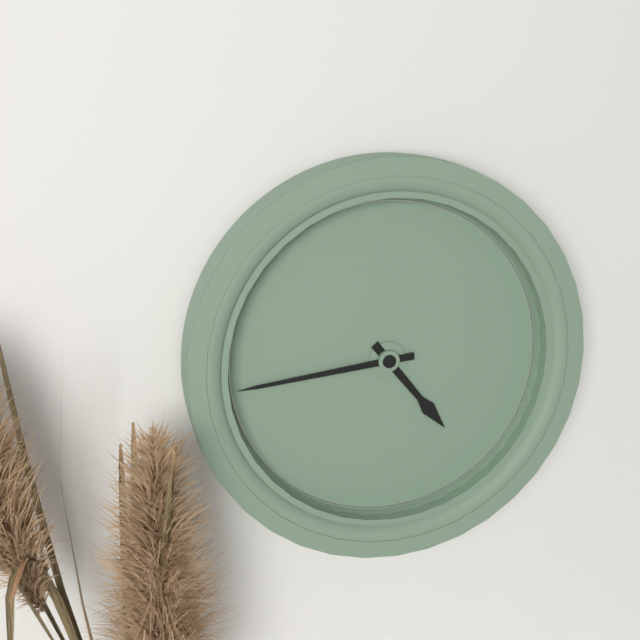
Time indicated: 4:44
